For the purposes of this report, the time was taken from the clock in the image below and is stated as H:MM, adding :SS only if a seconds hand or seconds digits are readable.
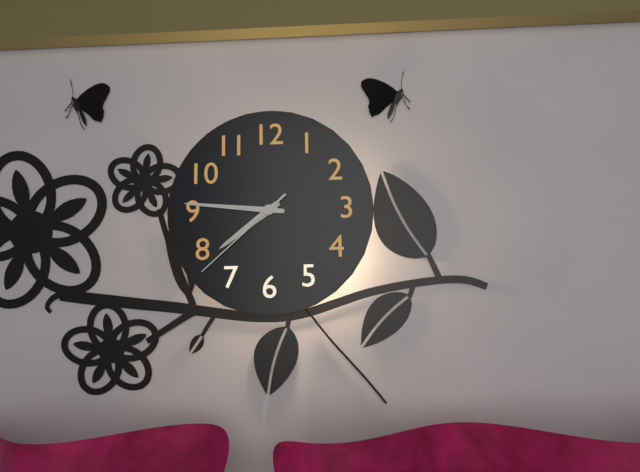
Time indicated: 7:46:38
